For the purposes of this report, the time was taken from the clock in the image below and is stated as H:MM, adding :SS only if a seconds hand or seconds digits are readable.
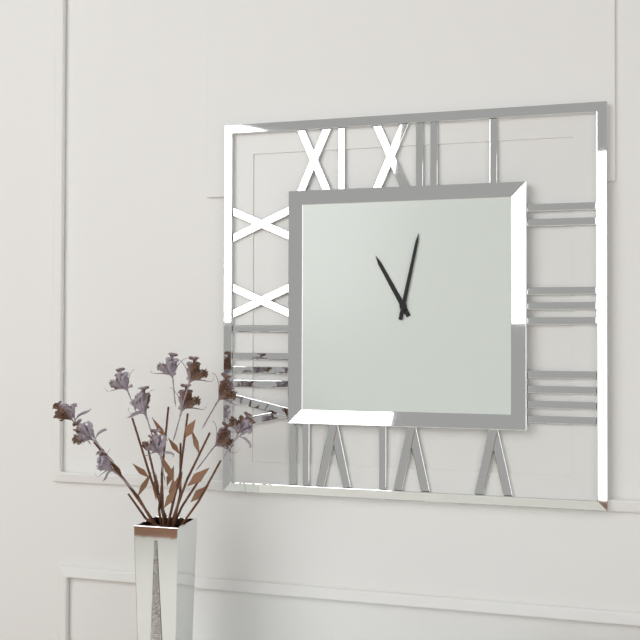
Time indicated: 11:02
